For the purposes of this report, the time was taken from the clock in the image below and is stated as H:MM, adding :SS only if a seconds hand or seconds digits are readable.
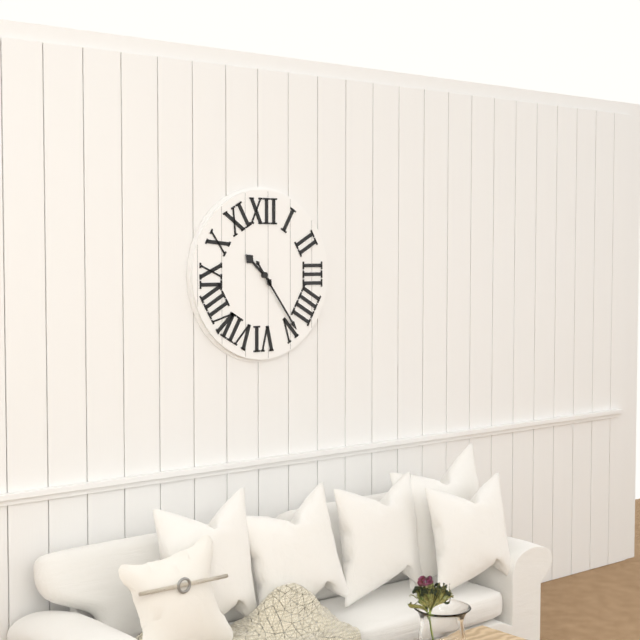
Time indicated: 10:24
